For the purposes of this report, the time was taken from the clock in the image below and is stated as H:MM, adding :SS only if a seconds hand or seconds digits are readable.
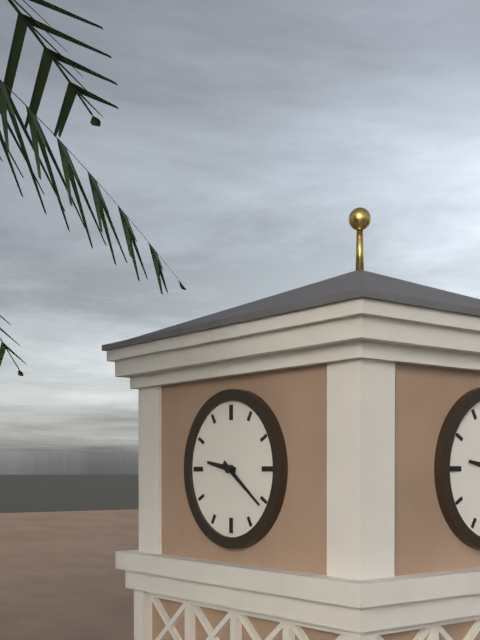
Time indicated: 9:21
